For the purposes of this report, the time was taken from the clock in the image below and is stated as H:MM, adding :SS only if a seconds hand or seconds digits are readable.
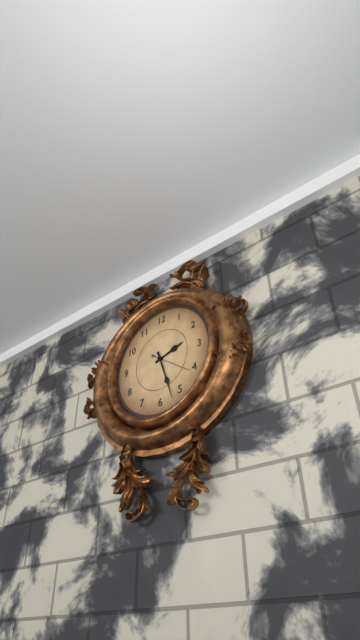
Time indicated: 2:27
